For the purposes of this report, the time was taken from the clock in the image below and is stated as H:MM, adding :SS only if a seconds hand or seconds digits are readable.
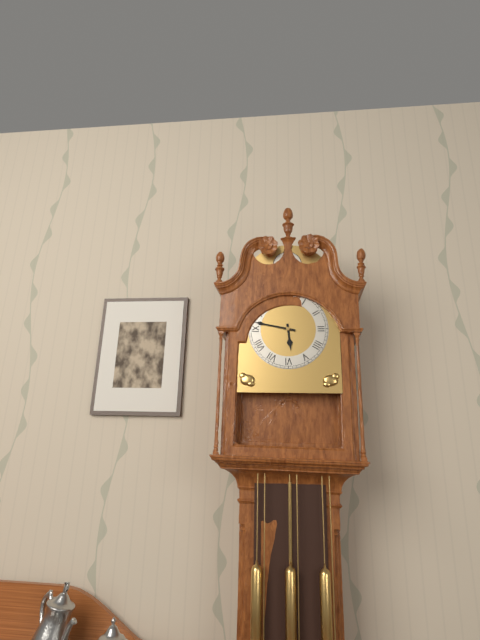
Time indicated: 5:47
